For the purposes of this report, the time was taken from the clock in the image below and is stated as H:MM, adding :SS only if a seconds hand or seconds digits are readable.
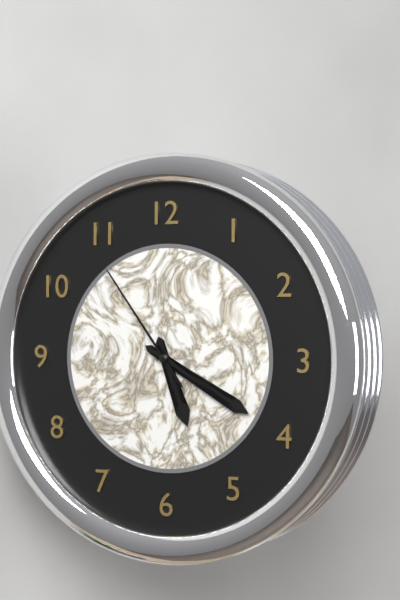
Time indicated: 5:20:54
